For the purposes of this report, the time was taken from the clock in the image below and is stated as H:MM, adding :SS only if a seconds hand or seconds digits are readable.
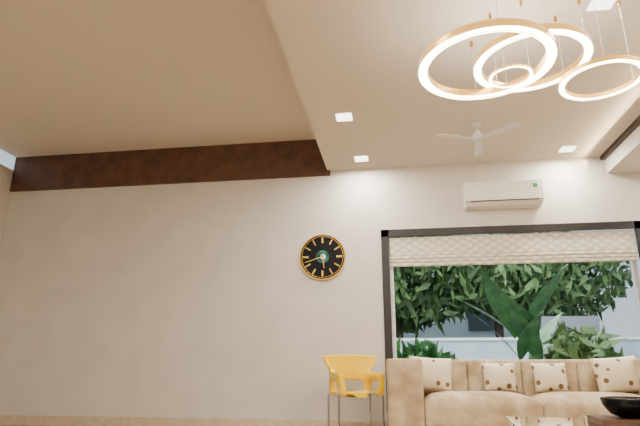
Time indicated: 5:42
